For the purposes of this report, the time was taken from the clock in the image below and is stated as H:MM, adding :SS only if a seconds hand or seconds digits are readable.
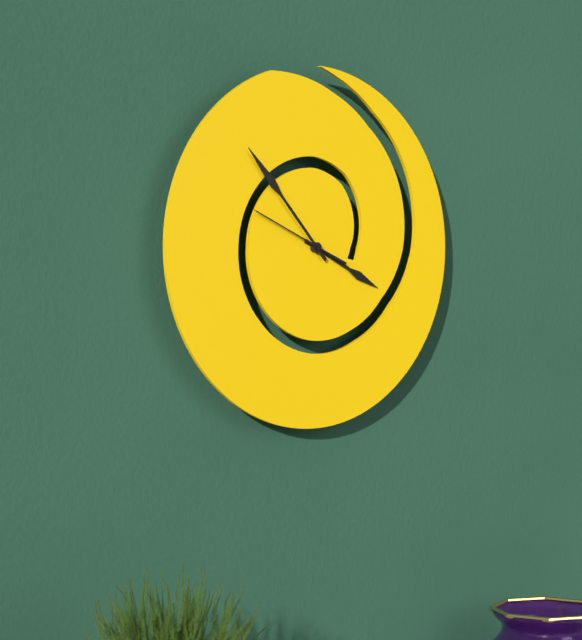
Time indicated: 3:53:49
